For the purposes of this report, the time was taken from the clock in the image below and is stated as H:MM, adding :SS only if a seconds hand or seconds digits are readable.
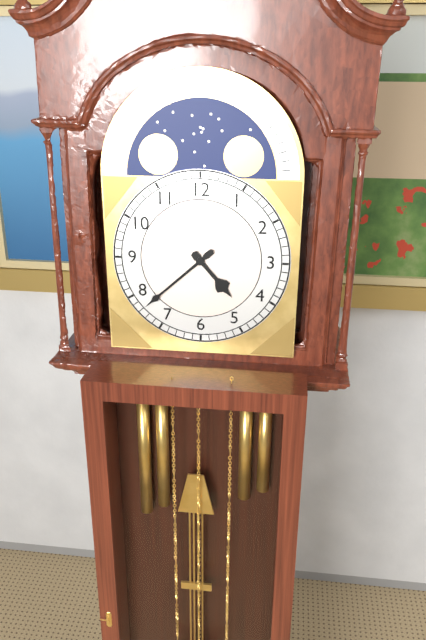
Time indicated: 4:38
